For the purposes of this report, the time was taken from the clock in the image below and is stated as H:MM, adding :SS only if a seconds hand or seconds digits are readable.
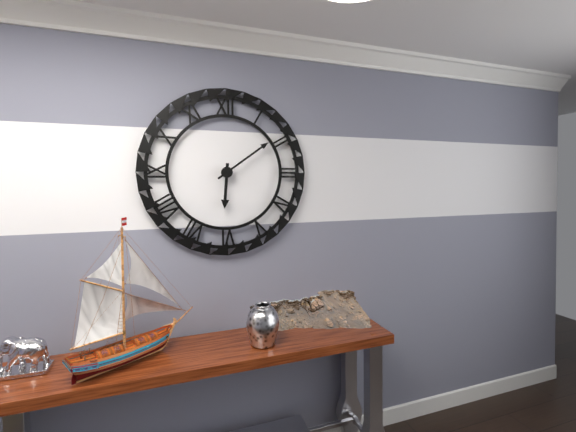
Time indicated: 6:09
